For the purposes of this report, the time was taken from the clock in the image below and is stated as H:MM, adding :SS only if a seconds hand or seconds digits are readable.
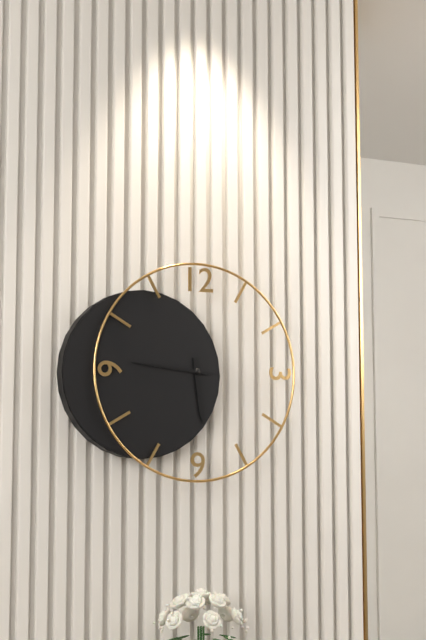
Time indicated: 5:46
